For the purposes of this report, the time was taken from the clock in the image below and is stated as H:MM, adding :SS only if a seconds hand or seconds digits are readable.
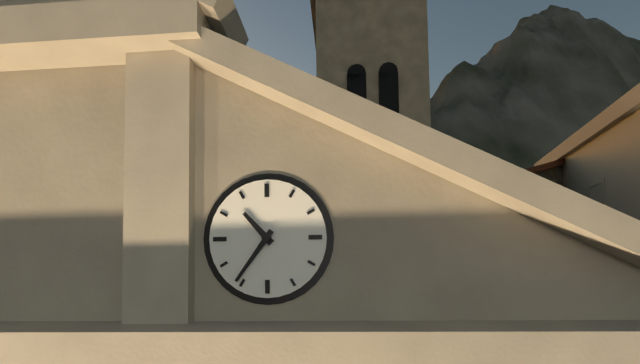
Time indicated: 10:36
